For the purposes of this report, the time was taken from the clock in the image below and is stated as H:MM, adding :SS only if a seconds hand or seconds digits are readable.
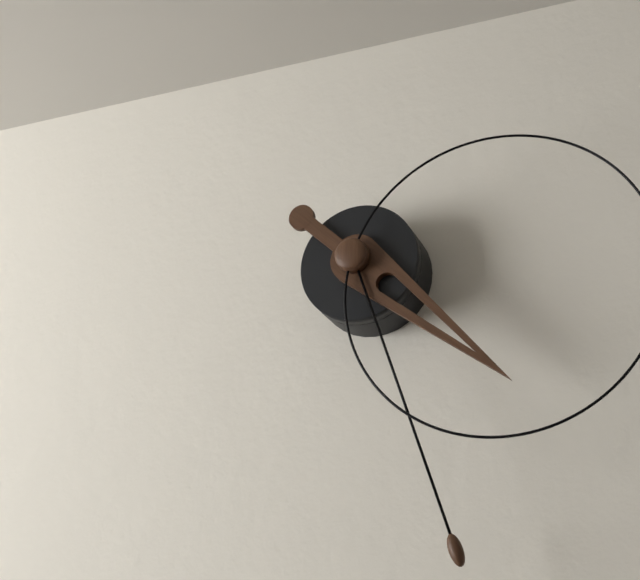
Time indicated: 4:27
